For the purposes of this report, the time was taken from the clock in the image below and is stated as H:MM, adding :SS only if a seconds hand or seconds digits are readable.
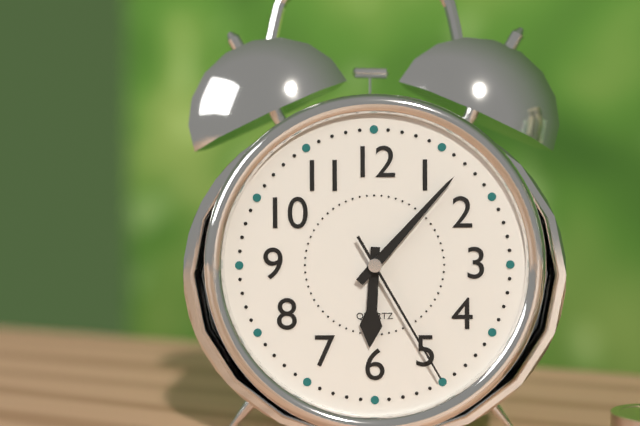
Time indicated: 6:07:25
